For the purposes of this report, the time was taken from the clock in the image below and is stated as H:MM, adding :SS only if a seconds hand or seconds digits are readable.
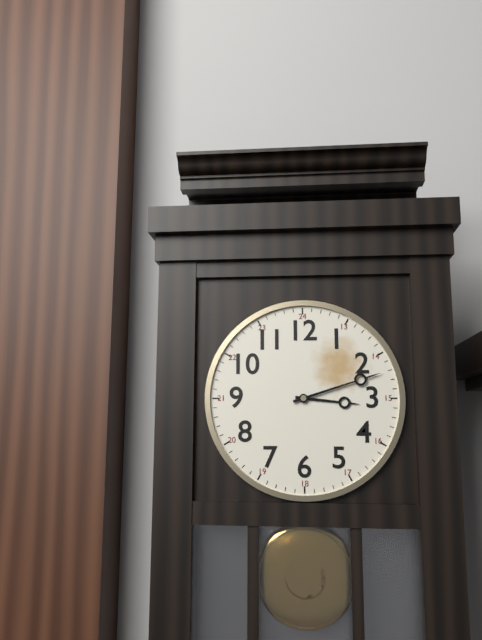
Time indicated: 3:12
